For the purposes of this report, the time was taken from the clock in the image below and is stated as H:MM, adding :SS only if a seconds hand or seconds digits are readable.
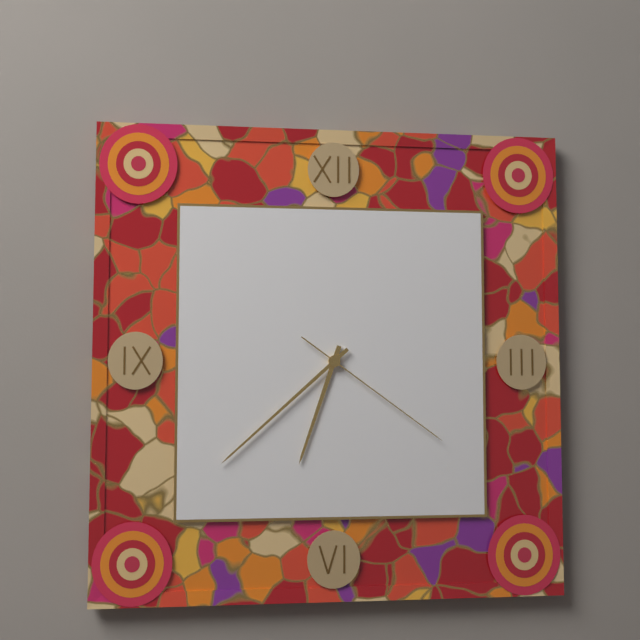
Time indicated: 6:38:21
